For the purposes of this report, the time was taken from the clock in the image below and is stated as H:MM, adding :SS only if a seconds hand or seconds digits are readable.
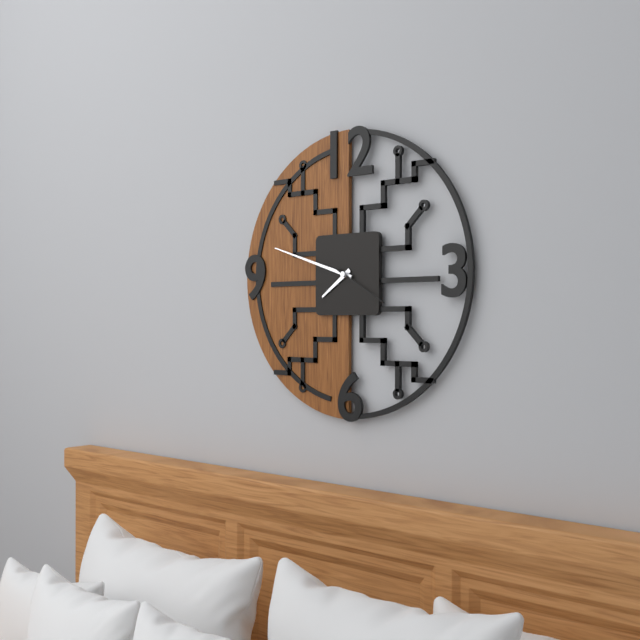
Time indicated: 7:48:20
